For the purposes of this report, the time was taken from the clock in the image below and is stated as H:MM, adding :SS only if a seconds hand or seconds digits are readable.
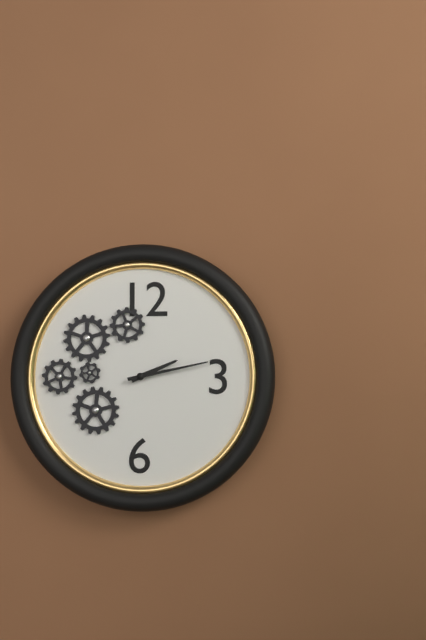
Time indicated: 2:13
